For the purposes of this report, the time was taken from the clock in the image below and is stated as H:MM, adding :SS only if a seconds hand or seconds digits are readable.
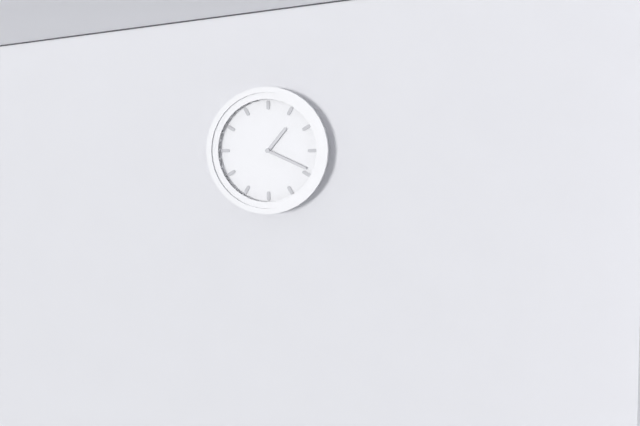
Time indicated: 1:19
